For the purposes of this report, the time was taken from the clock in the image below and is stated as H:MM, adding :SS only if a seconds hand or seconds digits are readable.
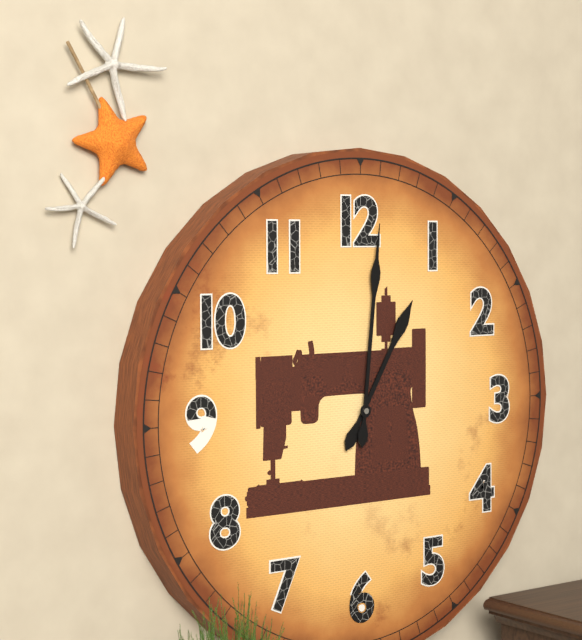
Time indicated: 1:01
